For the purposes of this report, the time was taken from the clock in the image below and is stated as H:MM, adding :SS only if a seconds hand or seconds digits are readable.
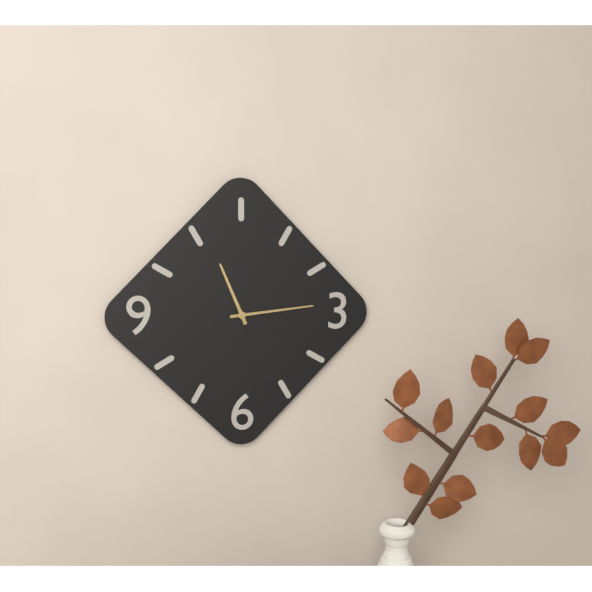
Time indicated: 11:14
